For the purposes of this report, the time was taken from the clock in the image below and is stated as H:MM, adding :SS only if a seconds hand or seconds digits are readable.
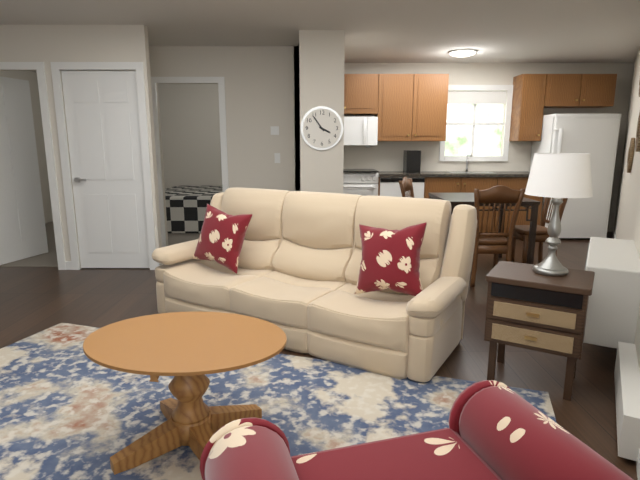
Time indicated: 3:54
